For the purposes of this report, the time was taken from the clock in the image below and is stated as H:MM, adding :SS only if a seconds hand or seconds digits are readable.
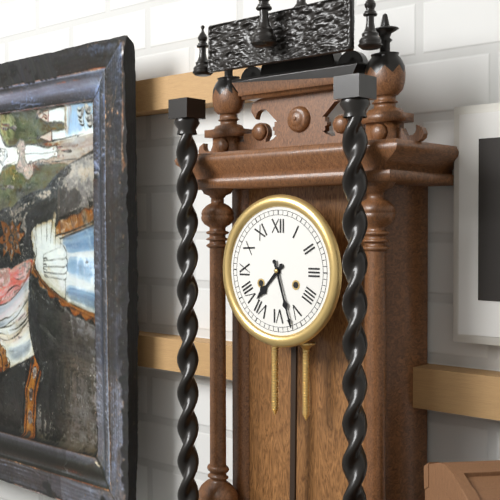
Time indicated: 7:27
